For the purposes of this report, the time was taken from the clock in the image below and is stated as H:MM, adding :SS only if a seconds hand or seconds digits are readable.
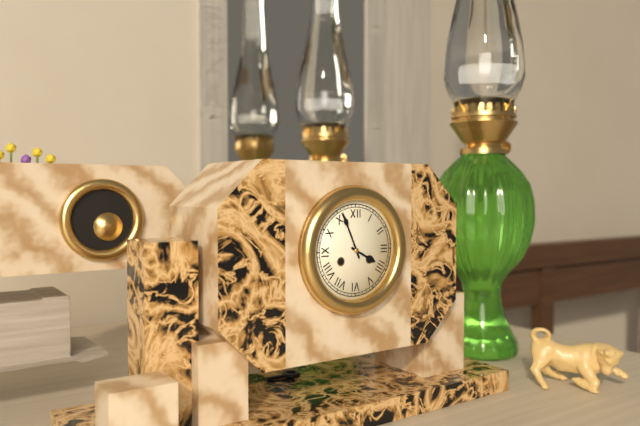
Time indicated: 3:56
